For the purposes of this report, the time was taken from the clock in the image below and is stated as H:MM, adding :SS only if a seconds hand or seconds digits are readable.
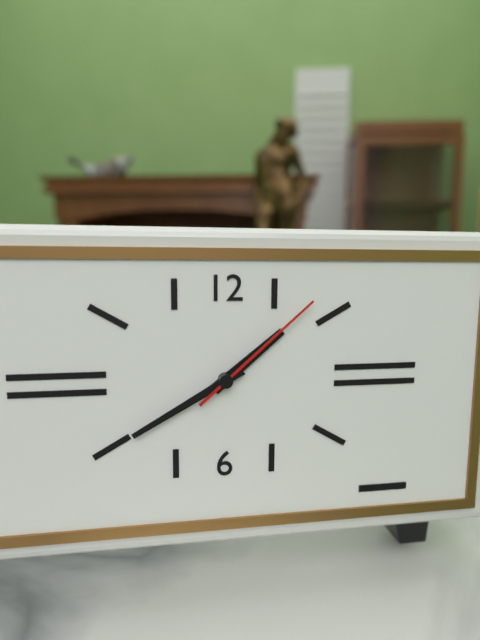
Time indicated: 1:40:08
